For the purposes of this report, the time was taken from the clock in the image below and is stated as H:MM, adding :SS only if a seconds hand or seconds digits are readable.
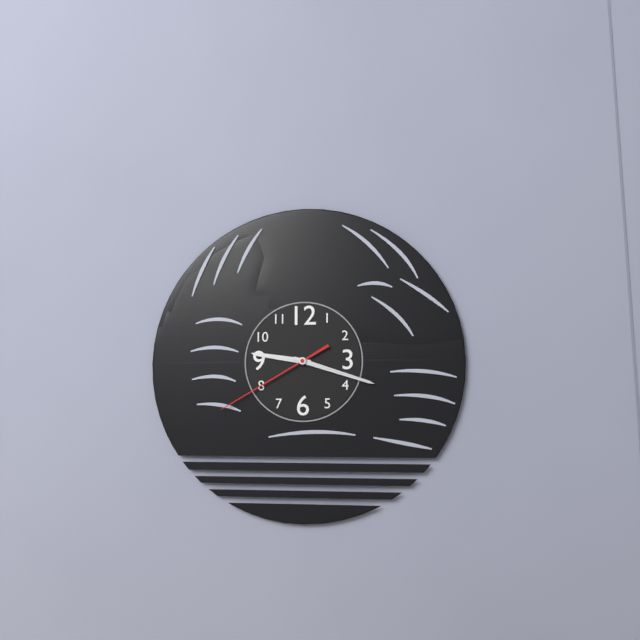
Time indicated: 9:18:40
